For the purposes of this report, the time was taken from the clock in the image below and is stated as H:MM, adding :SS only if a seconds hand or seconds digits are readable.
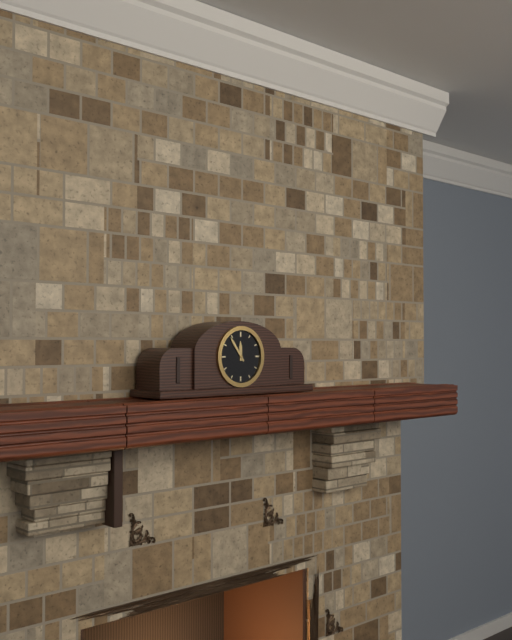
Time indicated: 11:54
